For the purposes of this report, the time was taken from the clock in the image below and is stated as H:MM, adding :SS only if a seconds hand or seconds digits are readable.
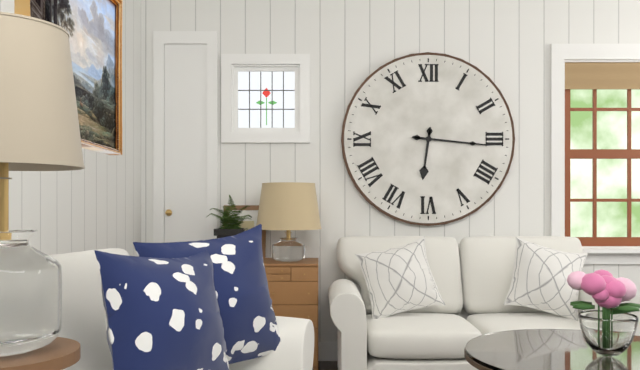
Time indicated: 6:16
